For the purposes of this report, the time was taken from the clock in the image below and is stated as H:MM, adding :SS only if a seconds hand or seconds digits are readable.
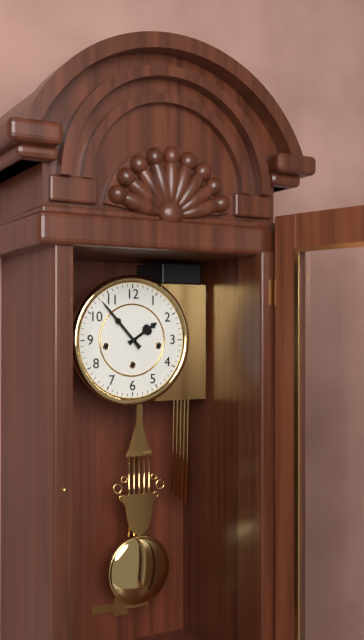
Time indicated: 1:53
